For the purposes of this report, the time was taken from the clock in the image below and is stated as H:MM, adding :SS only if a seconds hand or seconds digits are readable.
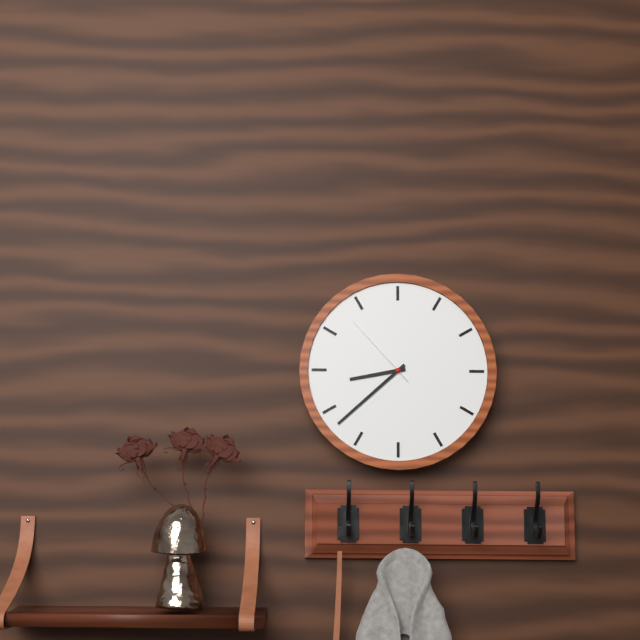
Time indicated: 8:38:53
